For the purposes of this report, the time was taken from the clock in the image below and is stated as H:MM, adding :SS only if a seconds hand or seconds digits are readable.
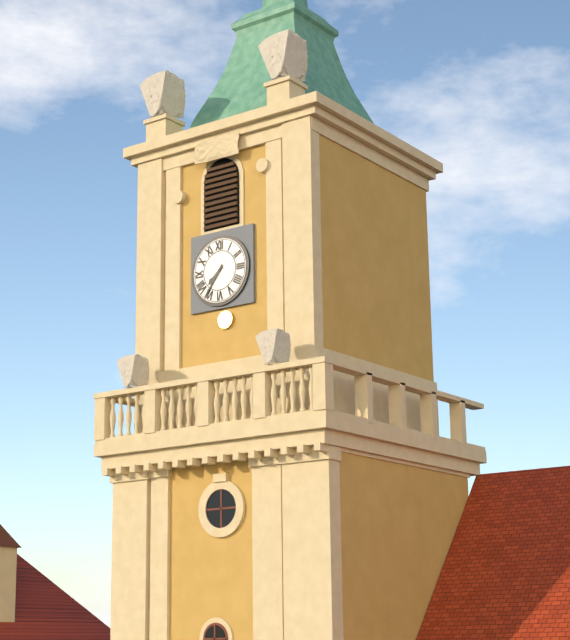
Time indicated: 7:36
